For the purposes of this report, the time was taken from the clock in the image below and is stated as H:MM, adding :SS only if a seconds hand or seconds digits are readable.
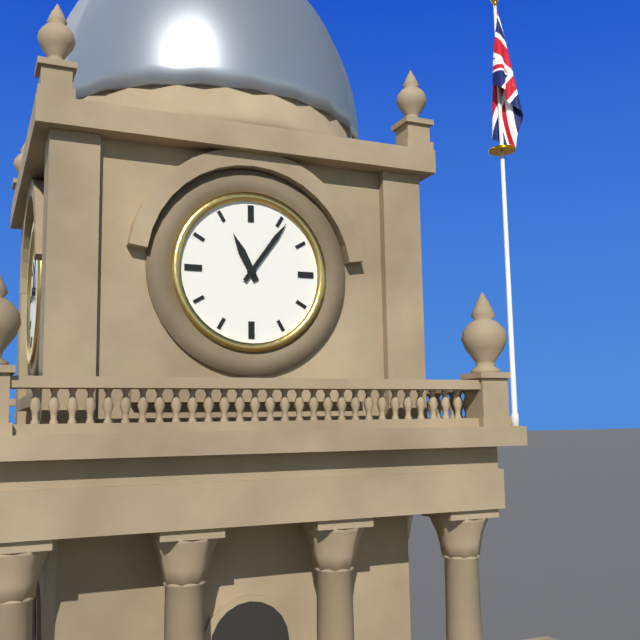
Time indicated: 11:06
